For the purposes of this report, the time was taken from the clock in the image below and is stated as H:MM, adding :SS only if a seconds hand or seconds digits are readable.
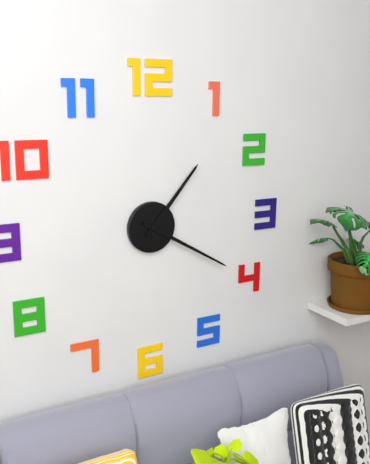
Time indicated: 1:20
